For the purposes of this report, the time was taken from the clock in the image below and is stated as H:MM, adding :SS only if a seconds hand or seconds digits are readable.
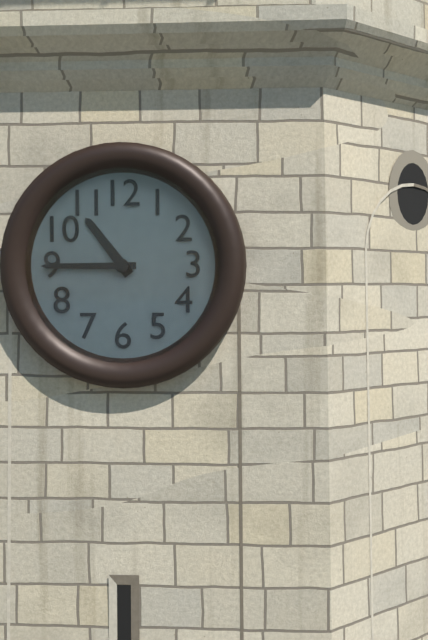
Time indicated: 10:45
